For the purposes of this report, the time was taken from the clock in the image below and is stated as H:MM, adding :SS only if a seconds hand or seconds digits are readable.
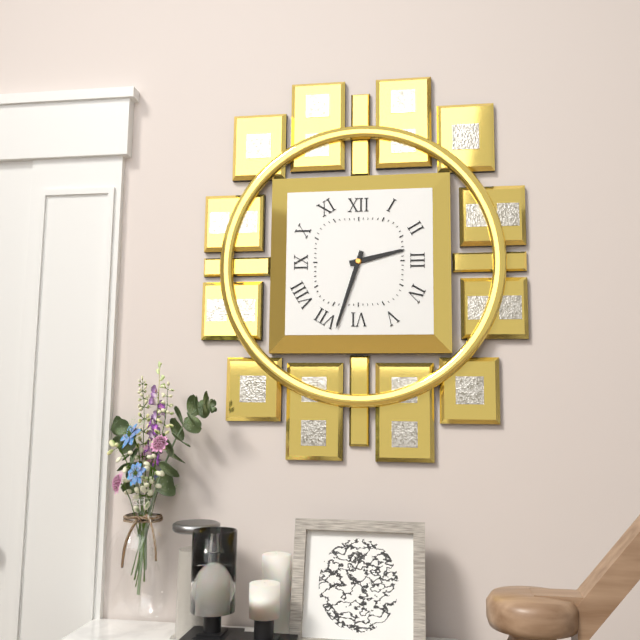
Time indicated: 2:33
